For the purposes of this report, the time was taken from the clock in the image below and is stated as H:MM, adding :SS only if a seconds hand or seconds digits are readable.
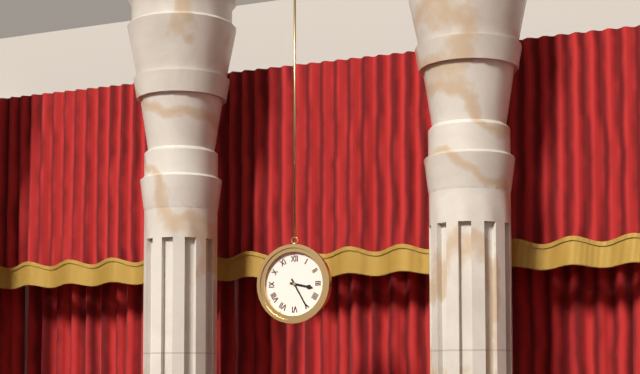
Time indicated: 3:25
